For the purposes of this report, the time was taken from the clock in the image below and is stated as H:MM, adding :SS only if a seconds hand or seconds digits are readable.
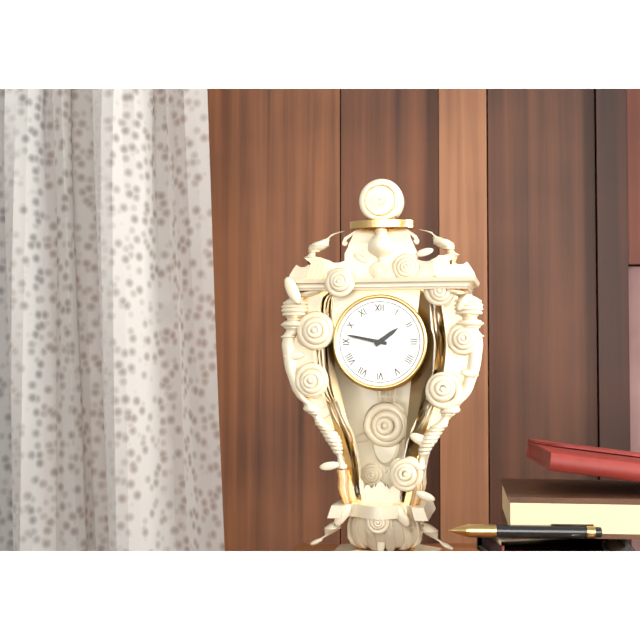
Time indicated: 1:47
